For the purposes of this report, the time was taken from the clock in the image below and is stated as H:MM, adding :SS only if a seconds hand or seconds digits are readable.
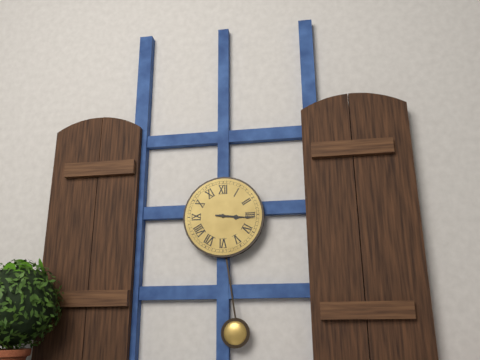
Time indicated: 3:16
